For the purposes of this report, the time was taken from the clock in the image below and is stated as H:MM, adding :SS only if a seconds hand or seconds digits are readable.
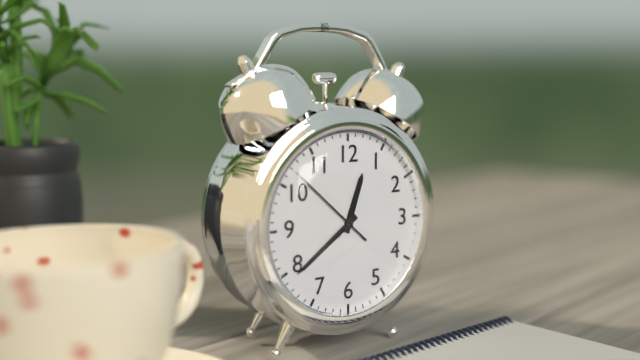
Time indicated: 12:39:52
